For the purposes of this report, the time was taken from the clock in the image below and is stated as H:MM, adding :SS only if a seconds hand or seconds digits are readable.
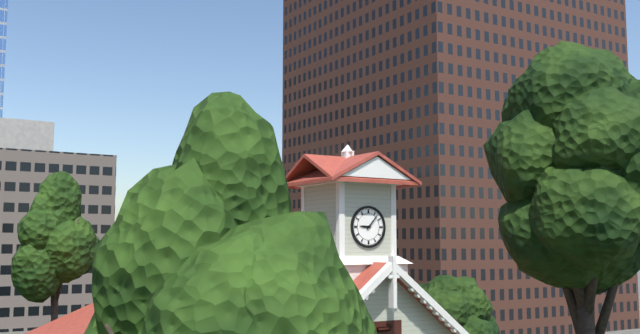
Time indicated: 9:07
